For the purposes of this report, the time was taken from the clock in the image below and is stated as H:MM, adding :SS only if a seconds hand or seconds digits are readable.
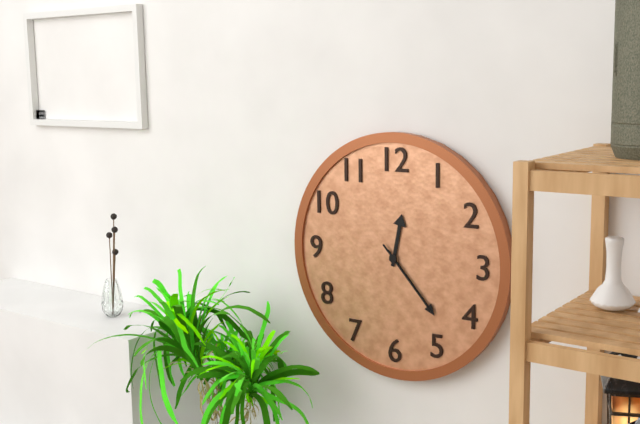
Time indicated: 12:23:23
